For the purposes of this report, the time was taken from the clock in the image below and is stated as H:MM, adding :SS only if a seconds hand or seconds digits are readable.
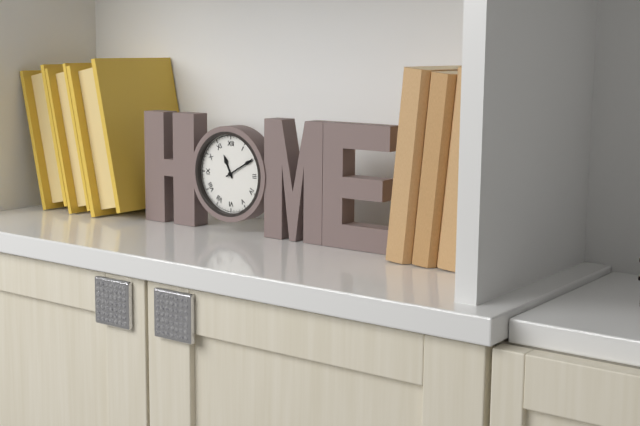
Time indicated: 11:10
